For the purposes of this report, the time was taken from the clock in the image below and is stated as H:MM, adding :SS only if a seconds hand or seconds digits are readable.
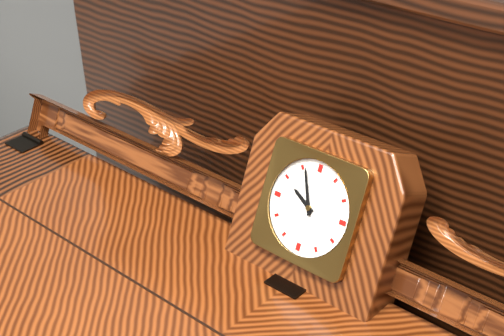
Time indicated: 9:56
